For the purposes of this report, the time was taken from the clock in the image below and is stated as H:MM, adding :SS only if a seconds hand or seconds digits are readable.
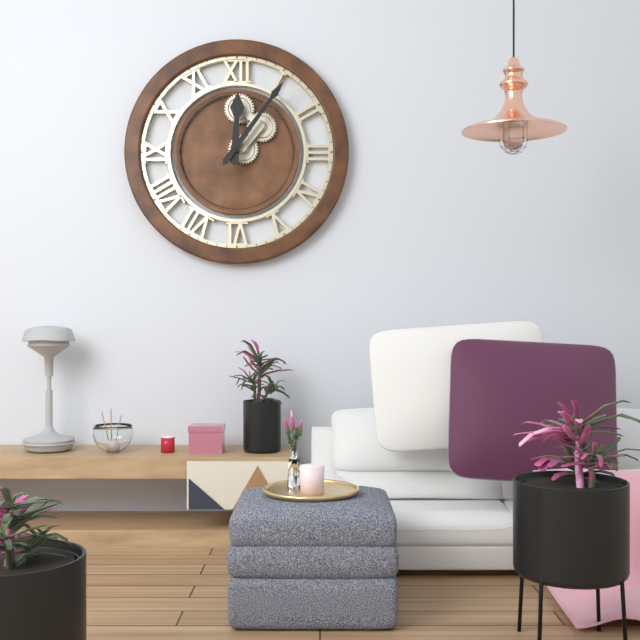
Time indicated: 12:06
